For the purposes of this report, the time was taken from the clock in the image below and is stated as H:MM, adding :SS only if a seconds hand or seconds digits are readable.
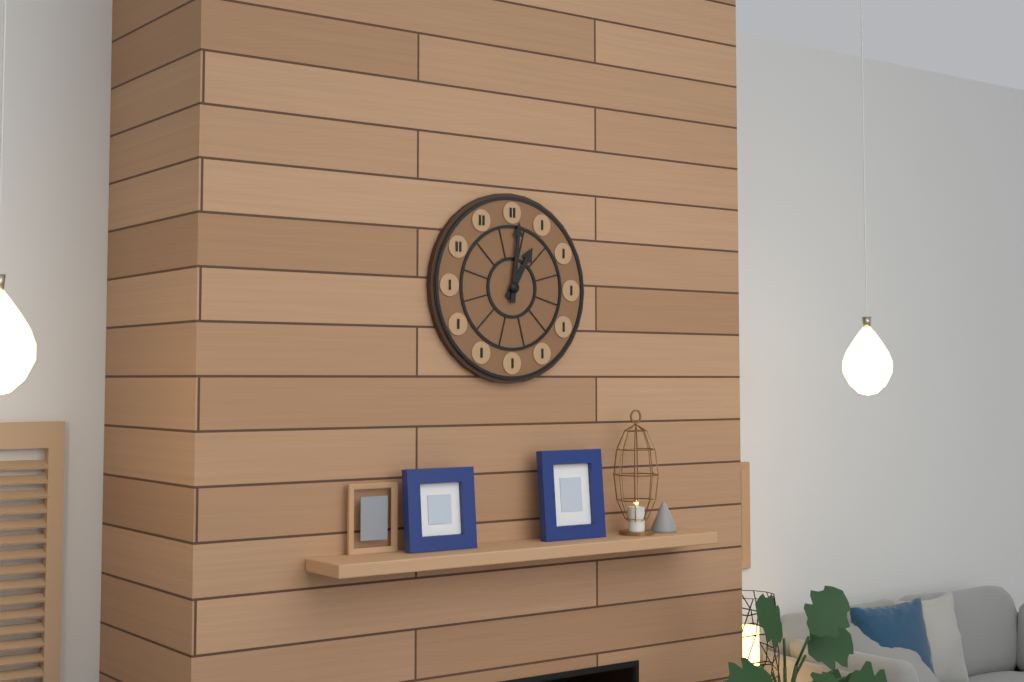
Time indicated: 1:01
